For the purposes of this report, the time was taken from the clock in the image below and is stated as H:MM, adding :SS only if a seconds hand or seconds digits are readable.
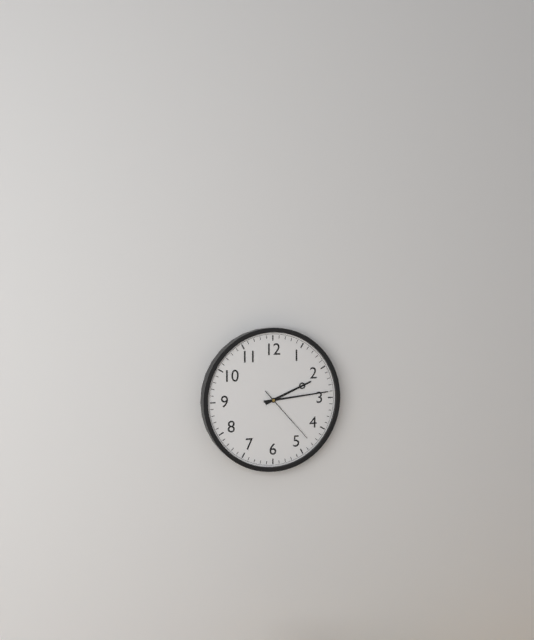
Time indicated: 2:14:23
